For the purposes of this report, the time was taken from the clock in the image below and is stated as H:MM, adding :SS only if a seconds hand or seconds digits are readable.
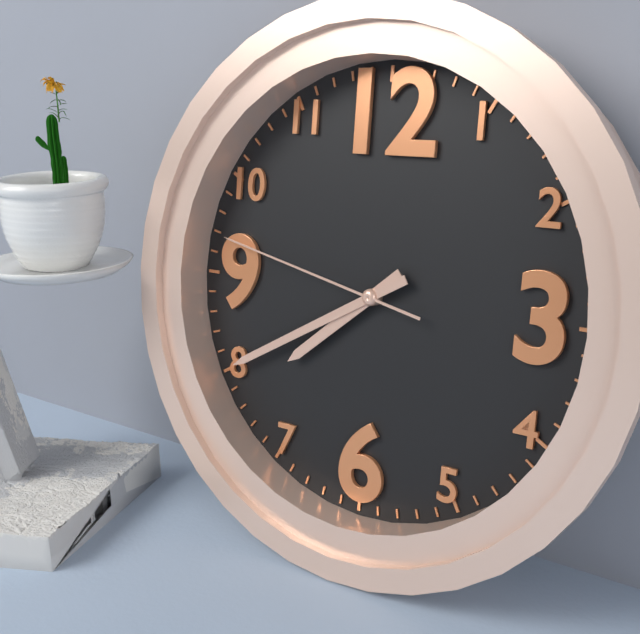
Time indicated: 7:40:47
